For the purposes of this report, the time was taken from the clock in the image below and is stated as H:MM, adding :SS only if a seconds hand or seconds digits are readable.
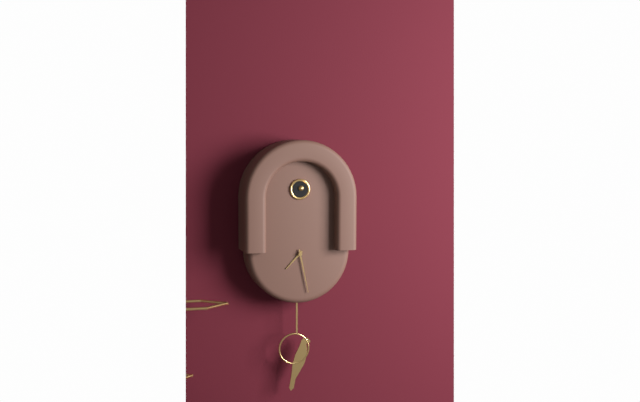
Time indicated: 7:28
